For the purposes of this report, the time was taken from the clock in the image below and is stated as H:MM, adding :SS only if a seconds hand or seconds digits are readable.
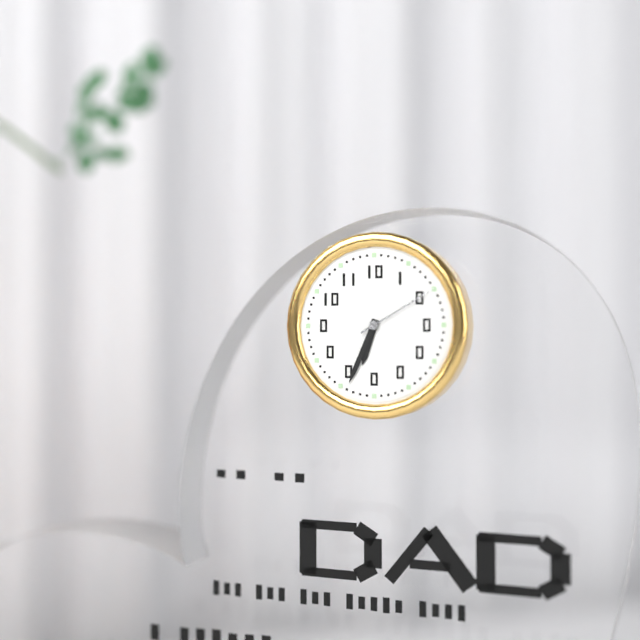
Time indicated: 6:34:10
